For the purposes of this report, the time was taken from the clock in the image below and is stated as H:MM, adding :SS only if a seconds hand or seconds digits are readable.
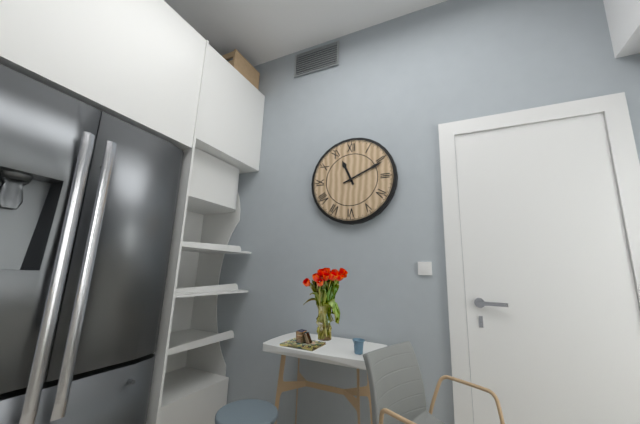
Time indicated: 11:11
